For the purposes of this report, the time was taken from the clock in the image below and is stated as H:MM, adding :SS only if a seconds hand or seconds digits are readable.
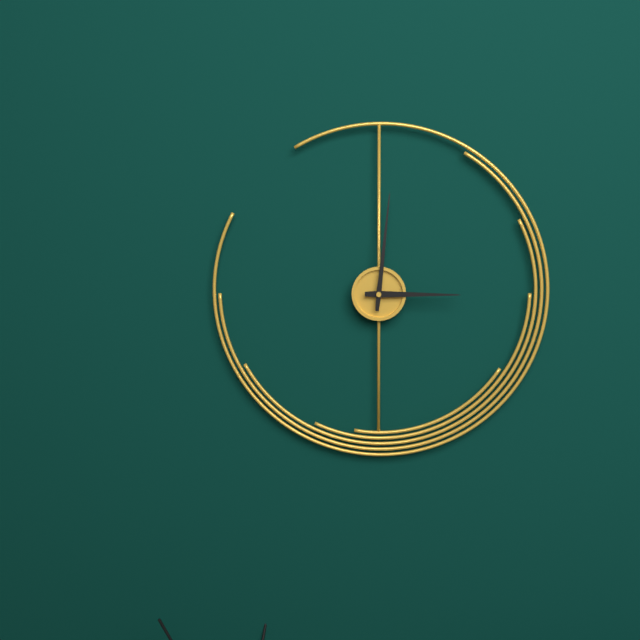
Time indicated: 3:01
